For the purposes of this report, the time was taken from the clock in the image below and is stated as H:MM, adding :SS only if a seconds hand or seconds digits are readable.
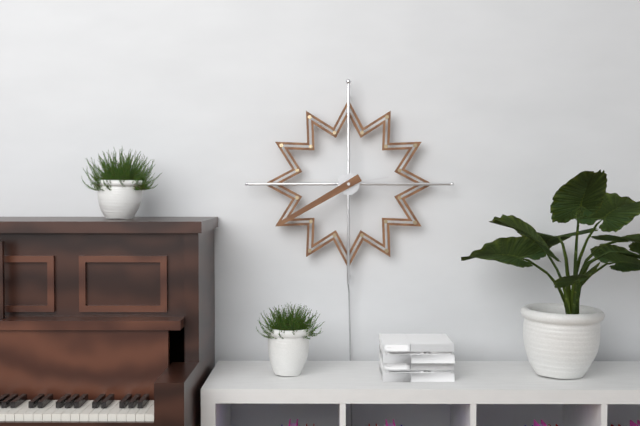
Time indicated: 2:40
